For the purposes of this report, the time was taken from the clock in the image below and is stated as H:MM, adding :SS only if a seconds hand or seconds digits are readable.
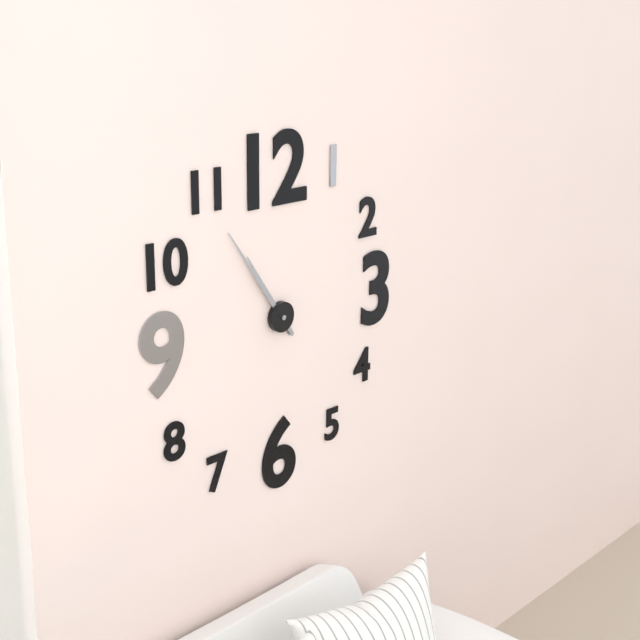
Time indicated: 10:54
